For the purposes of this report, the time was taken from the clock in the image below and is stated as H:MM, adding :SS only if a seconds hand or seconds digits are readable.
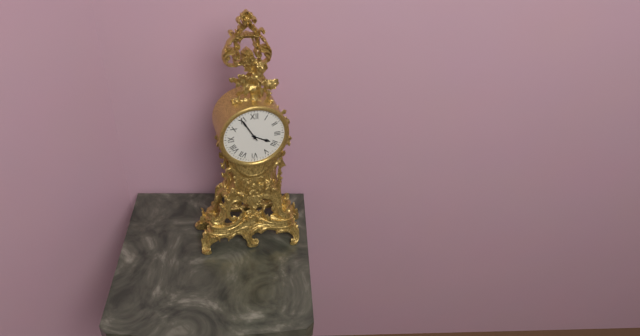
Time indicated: 3:55
